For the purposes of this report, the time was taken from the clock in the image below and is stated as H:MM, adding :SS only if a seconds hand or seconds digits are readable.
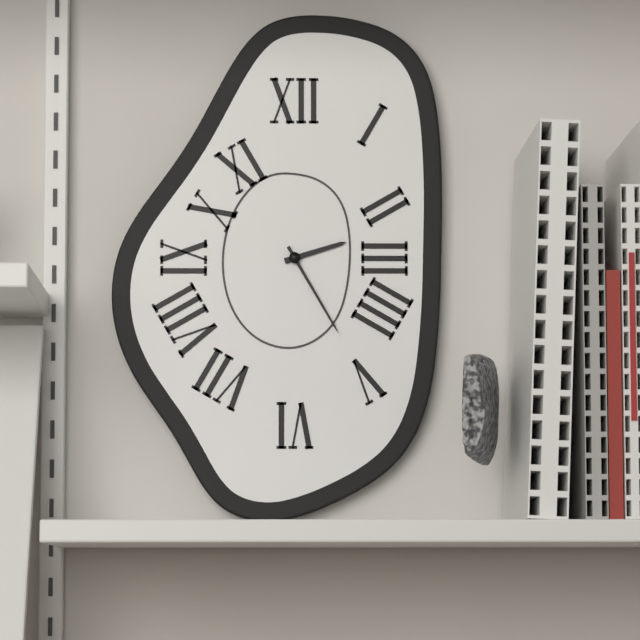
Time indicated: 2:25
